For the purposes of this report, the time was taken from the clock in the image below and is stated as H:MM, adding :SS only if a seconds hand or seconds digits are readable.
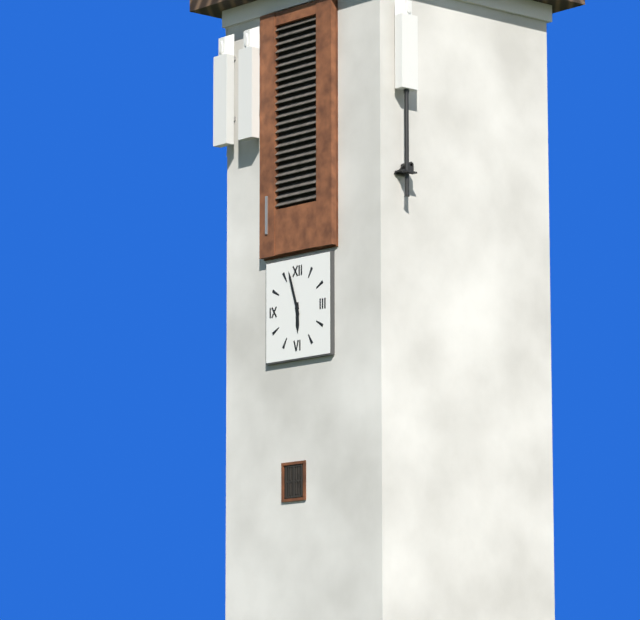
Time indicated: 5:57
